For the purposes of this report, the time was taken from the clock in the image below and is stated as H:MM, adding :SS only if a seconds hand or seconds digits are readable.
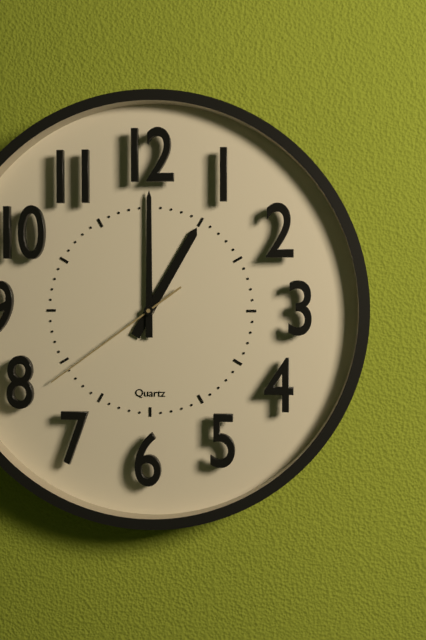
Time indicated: 1:00:39
